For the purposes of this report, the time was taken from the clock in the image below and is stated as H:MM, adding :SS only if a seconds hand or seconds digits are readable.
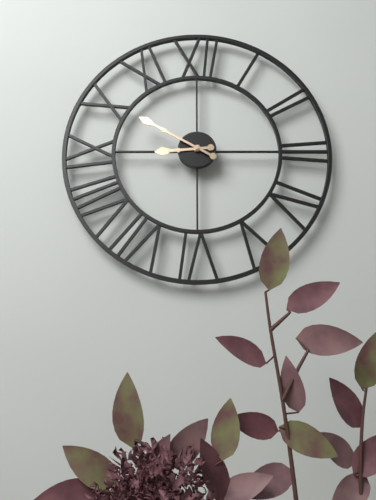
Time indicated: 8:50
